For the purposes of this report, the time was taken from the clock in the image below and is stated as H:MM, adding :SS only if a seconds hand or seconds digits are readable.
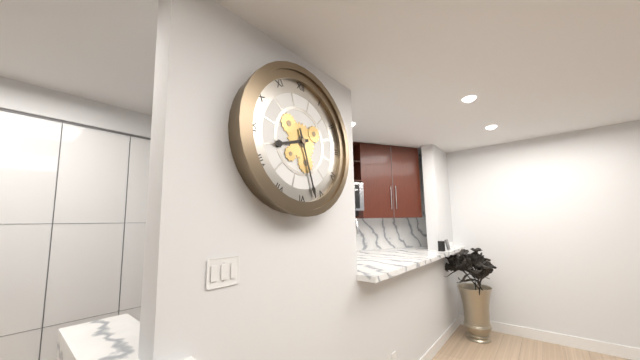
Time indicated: 8:27
